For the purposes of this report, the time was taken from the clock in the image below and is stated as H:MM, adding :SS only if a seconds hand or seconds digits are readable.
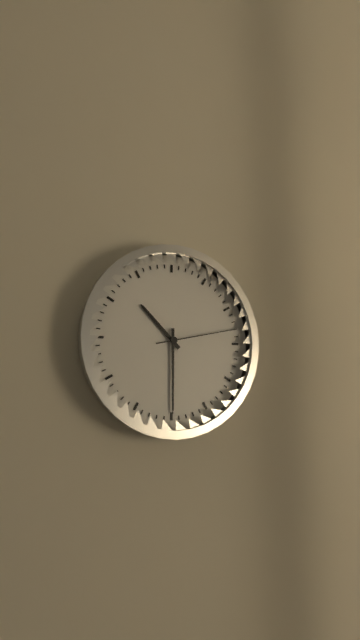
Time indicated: 10:30:13
